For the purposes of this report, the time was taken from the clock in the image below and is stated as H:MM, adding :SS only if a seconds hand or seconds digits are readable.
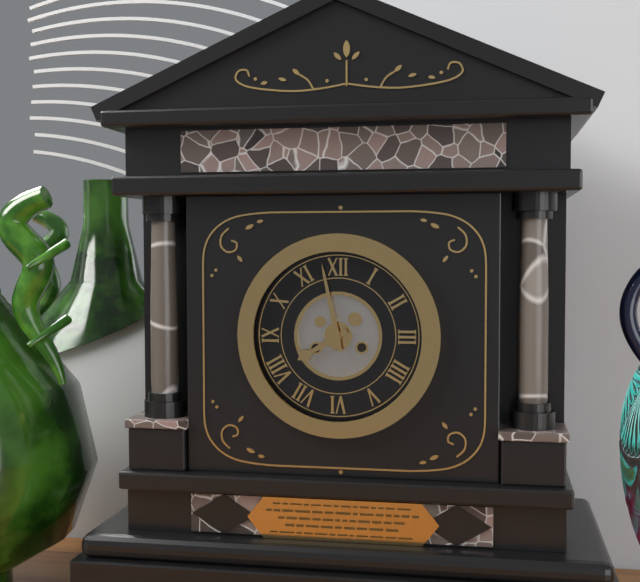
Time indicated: 7:58
